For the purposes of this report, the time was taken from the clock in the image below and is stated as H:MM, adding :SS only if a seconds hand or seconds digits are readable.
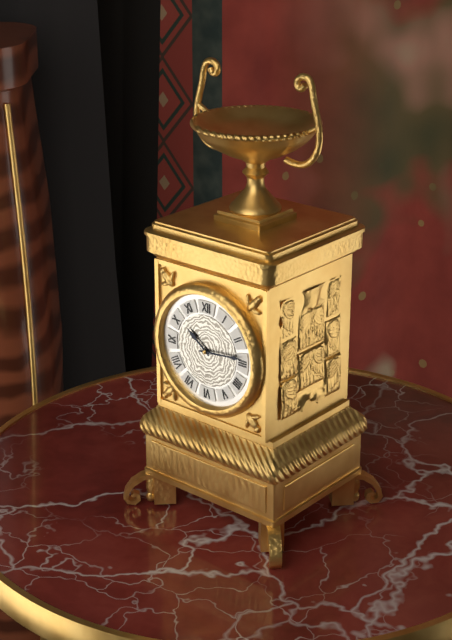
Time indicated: 10:14
